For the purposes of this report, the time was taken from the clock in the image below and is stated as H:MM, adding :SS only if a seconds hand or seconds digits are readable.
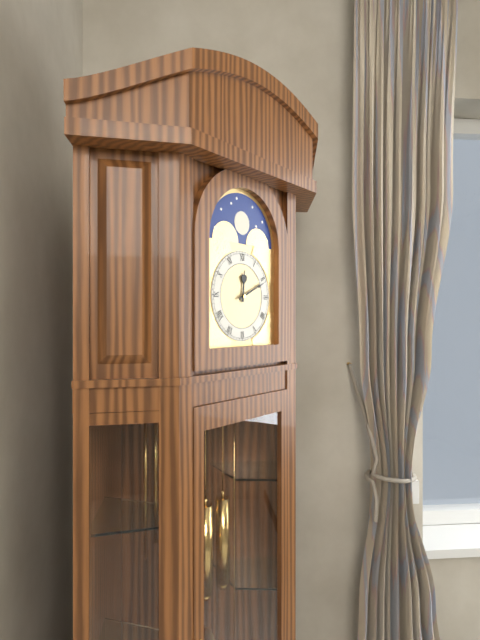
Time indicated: 12:11
